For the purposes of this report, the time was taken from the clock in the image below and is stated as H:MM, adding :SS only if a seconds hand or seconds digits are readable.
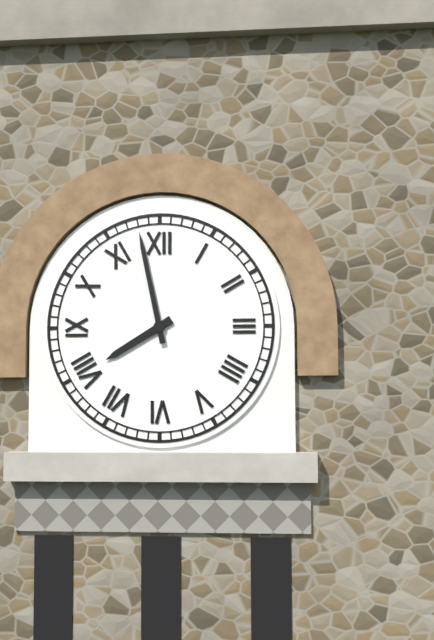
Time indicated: 7:58
